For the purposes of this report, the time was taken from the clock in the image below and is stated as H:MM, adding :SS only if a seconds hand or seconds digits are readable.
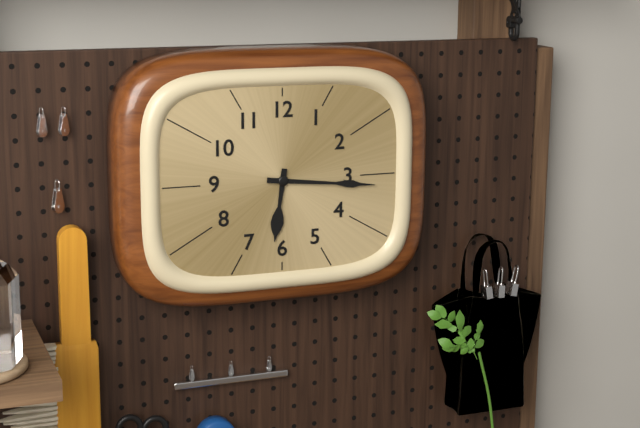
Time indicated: 6:16
